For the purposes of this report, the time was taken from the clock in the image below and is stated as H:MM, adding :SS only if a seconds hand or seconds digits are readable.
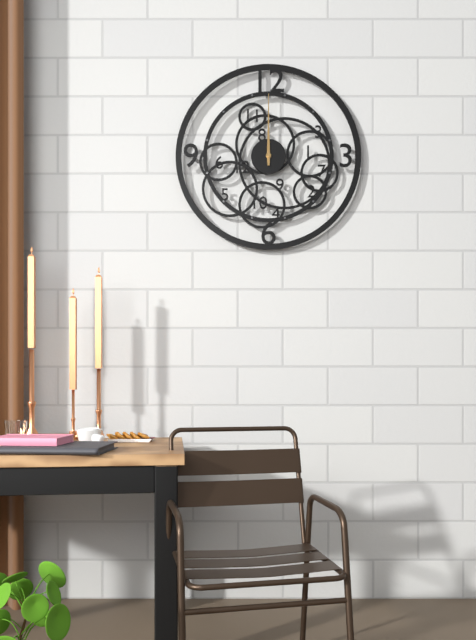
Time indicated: 12:00
